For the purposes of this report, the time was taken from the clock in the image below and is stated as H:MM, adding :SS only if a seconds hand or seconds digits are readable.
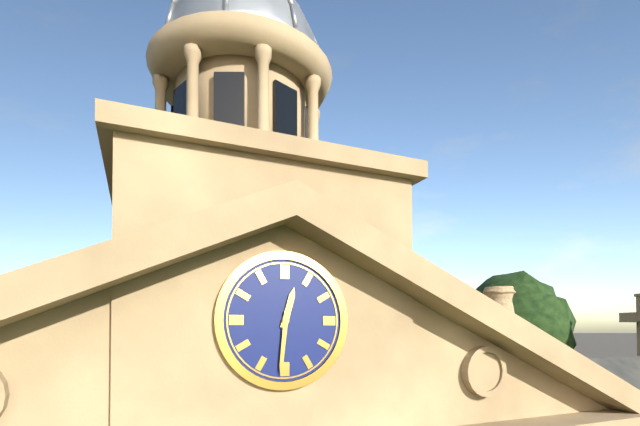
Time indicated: 12:31
